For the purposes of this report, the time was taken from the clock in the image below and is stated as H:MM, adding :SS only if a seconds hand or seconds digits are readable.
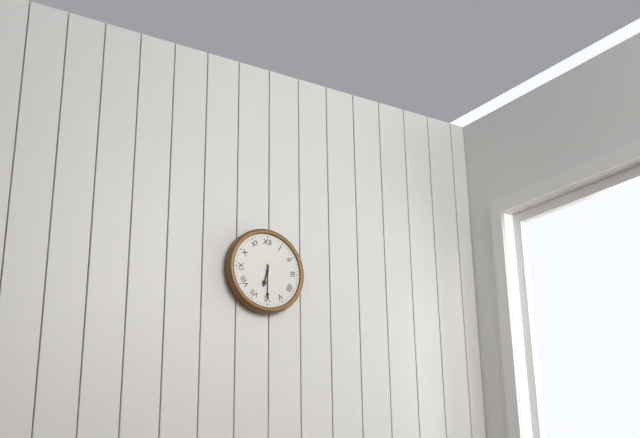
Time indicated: 6:30
